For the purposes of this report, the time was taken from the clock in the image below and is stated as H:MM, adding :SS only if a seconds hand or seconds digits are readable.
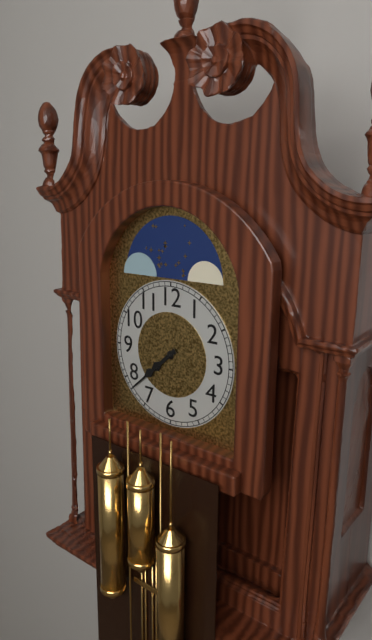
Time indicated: 7:38
